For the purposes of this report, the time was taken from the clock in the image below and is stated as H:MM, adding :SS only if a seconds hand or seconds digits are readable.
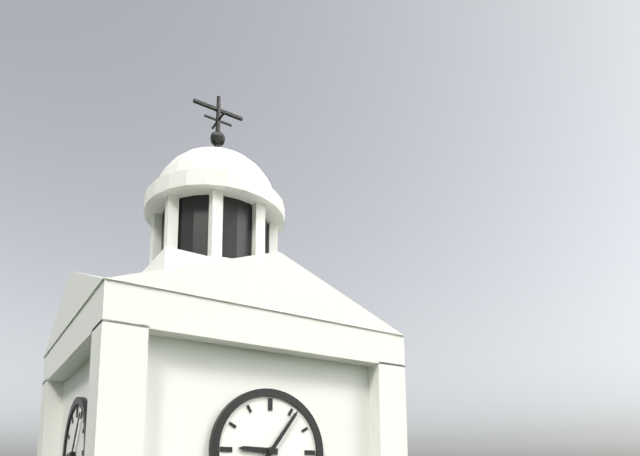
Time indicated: 9:06
